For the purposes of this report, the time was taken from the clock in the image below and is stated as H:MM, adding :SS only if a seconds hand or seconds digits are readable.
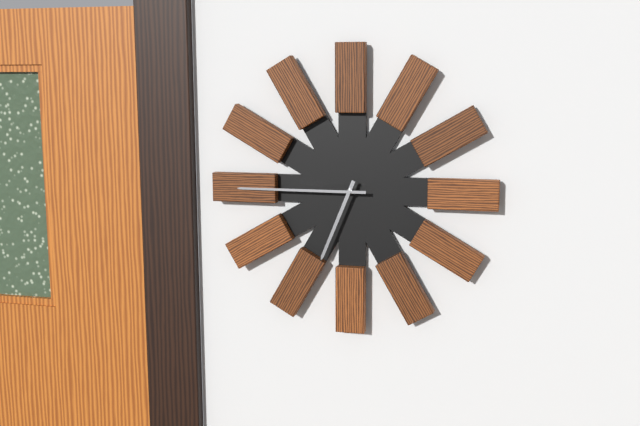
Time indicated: 6:45
